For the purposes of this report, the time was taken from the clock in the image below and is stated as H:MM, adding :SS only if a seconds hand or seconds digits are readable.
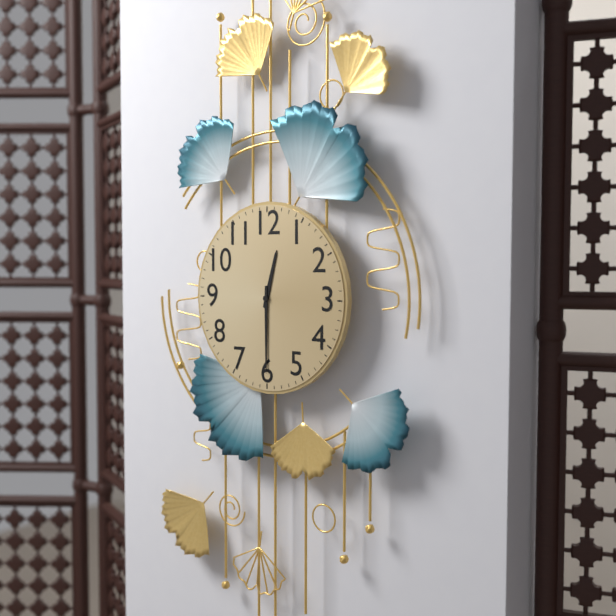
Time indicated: 12:30
